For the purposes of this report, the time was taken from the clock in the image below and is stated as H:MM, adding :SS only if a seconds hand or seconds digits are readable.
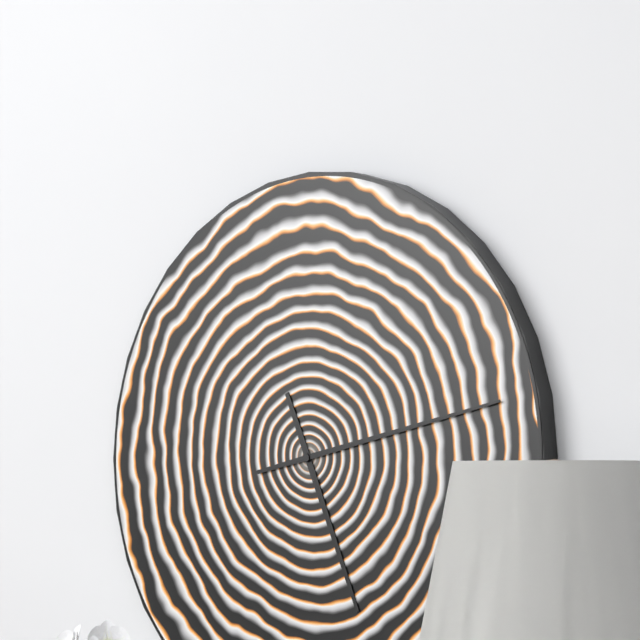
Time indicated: 5:13
